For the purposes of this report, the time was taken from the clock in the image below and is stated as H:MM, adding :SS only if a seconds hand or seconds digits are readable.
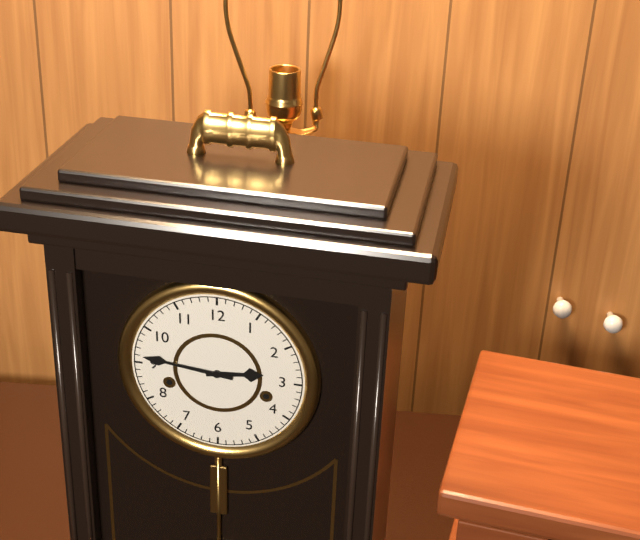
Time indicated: 2:46
